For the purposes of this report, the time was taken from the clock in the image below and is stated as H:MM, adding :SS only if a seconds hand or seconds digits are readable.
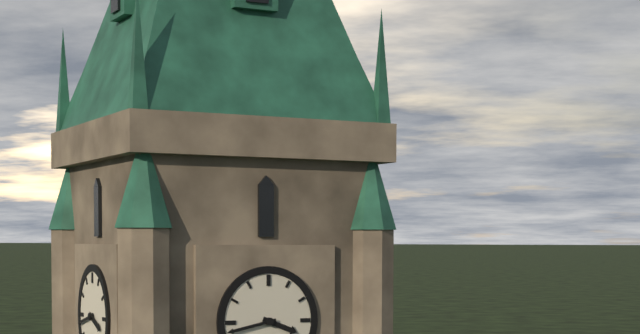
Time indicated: 3:43
